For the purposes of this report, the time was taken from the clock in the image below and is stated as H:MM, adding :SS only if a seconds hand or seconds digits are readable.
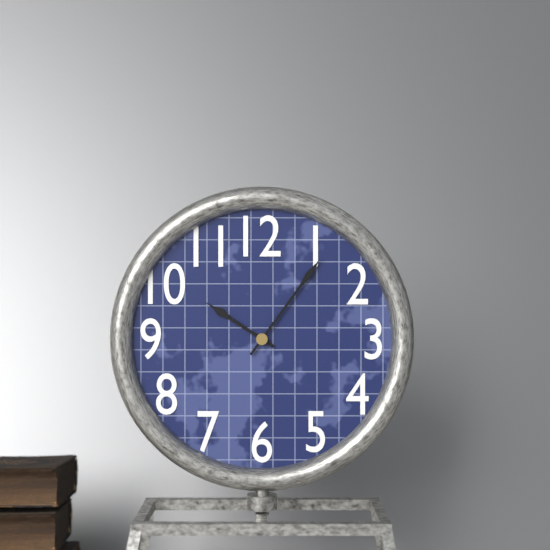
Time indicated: 10:06
